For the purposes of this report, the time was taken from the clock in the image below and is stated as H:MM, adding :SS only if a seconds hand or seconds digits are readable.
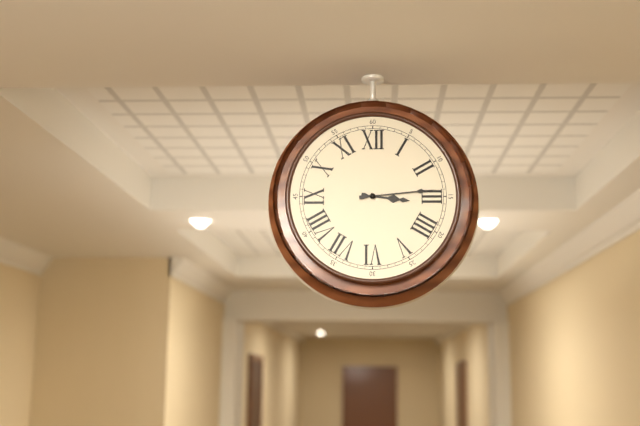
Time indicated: 3:14
